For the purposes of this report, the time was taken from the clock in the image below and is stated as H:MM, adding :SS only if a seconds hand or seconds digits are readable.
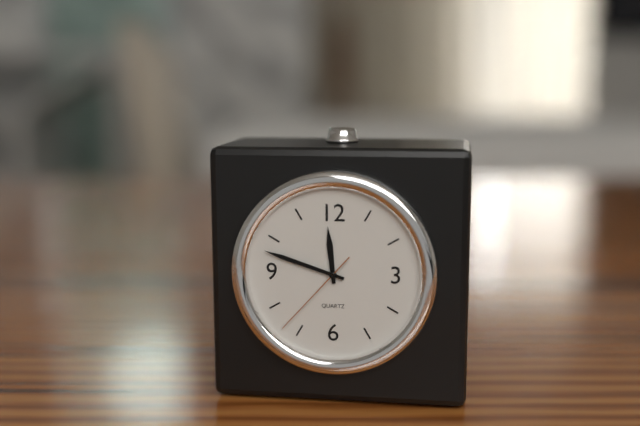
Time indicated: 11:48:37
